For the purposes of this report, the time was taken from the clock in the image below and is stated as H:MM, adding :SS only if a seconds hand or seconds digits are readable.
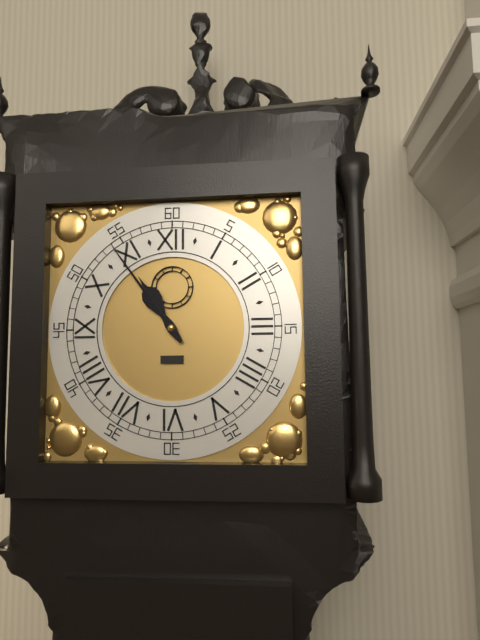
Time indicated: 10:54
